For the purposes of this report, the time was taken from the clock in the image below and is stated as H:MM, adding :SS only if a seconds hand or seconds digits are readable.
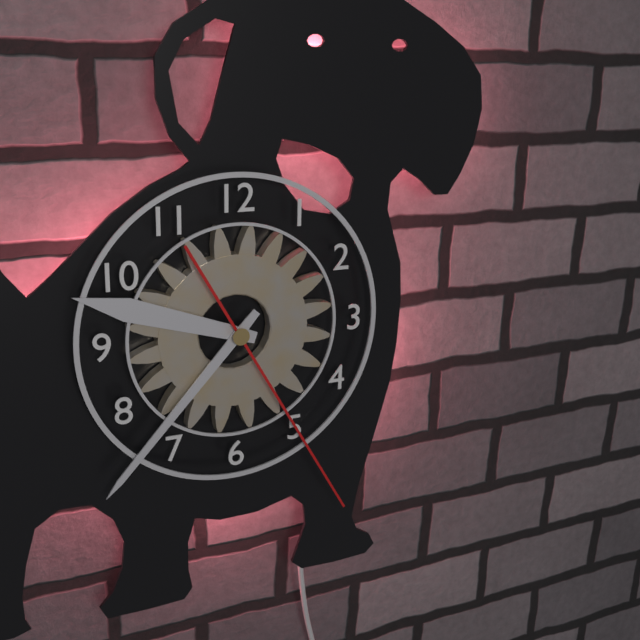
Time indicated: 9:37:25
